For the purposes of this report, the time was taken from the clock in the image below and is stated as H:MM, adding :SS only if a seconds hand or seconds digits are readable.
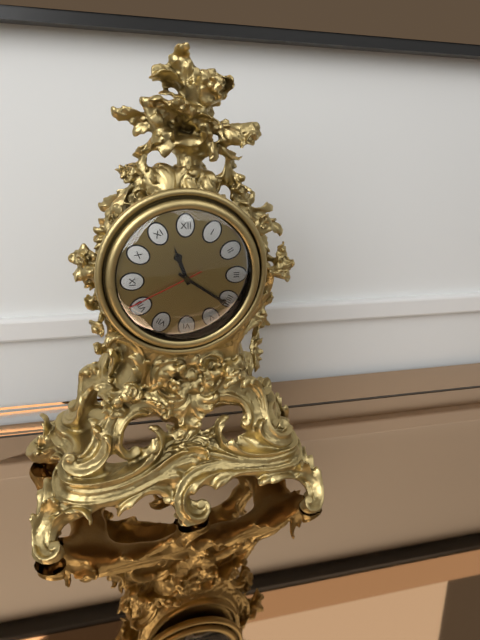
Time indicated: 11:21:41
